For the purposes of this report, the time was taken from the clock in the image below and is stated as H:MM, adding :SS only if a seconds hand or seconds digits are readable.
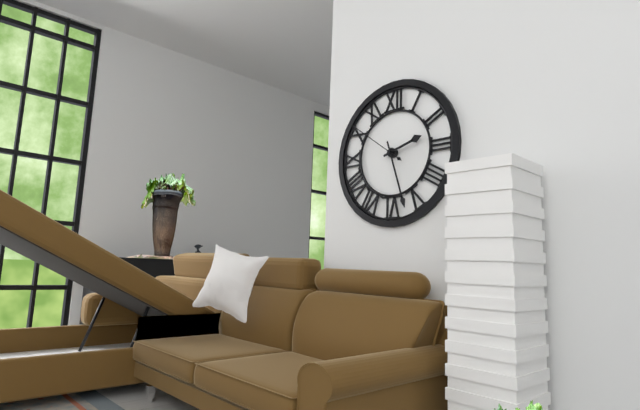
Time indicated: 2:27:51
